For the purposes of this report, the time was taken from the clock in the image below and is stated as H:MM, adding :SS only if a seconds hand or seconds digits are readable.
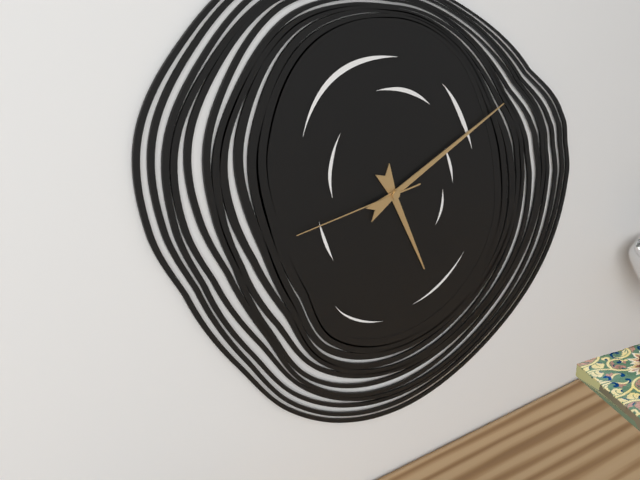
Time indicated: 5:11:44
